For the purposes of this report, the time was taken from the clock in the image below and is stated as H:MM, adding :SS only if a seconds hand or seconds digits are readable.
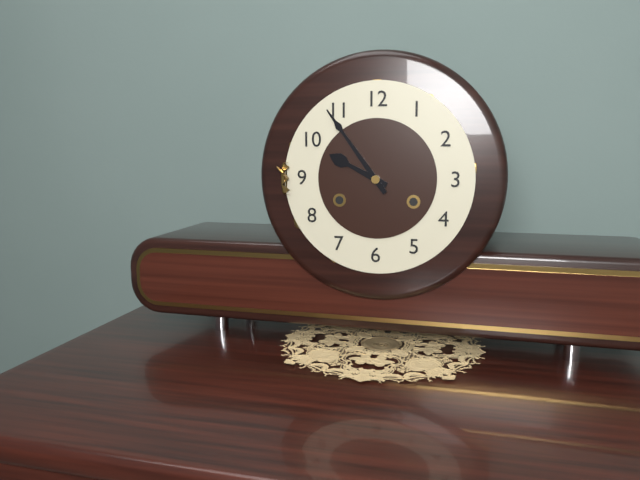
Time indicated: 9:54
